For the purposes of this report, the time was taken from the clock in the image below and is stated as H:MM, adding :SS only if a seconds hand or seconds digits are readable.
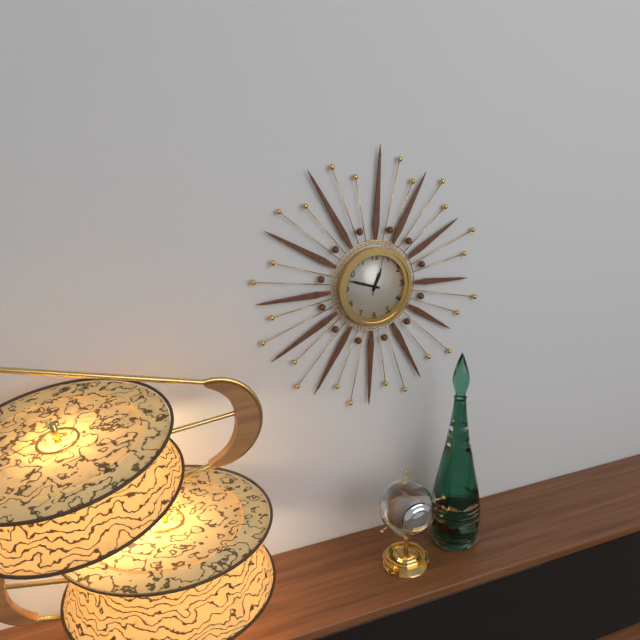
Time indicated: 12:48
